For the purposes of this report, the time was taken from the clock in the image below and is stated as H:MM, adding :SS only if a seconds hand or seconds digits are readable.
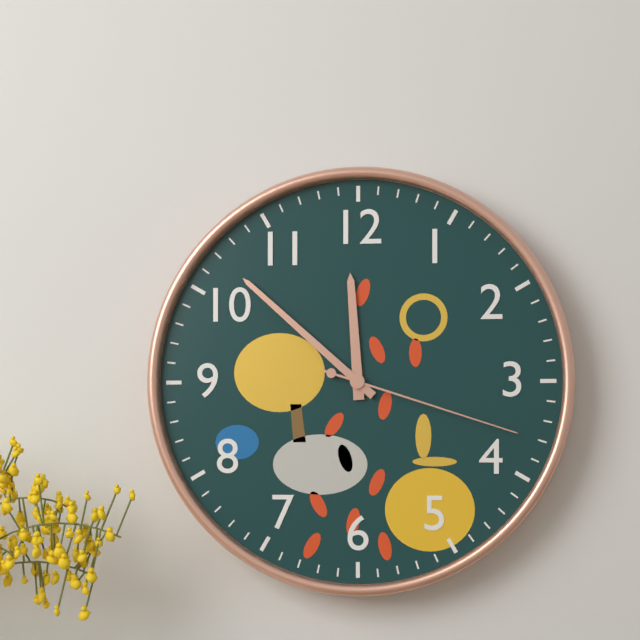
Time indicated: 11:52:18
